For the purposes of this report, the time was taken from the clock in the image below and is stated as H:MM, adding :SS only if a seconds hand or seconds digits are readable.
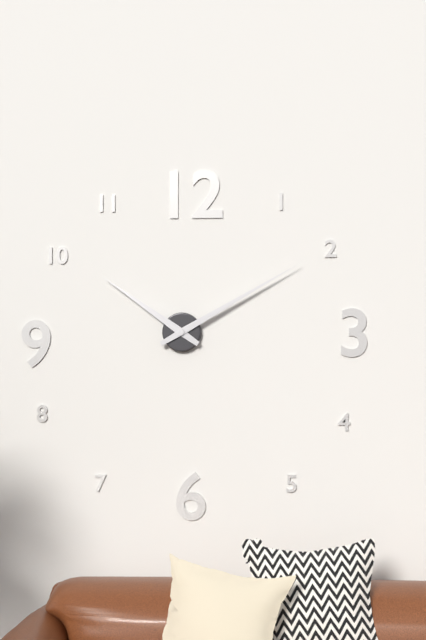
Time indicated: 10:10
